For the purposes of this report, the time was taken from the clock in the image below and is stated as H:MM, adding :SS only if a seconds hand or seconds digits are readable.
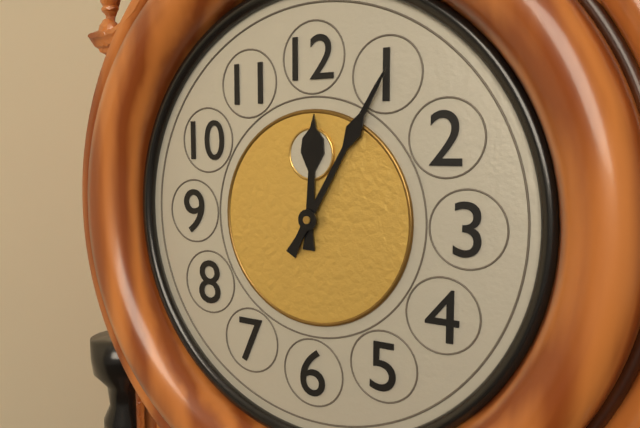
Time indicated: 12:05
